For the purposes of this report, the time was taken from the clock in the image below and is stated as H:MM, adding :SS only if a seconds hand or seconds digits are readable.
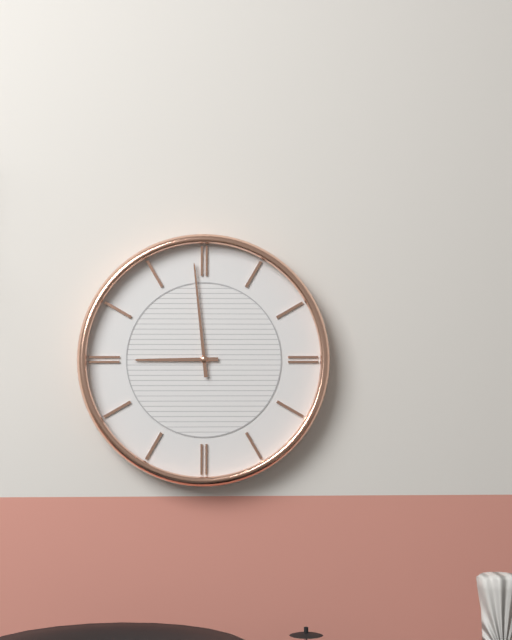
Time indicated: 8:59
